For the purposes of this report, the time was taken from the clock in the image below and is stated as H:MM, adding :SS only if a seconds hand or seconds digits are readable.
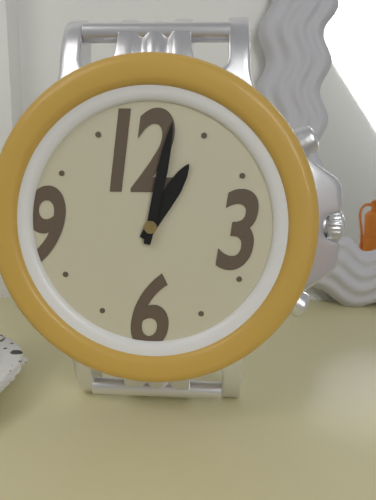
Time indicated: 1:02
